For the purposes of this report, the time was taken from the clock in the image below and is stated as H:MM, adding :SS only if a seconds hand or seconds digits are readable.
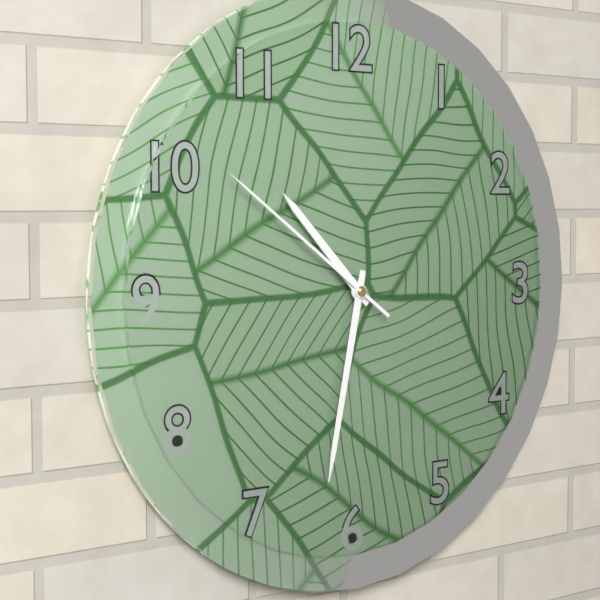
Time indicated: 10:32:51
